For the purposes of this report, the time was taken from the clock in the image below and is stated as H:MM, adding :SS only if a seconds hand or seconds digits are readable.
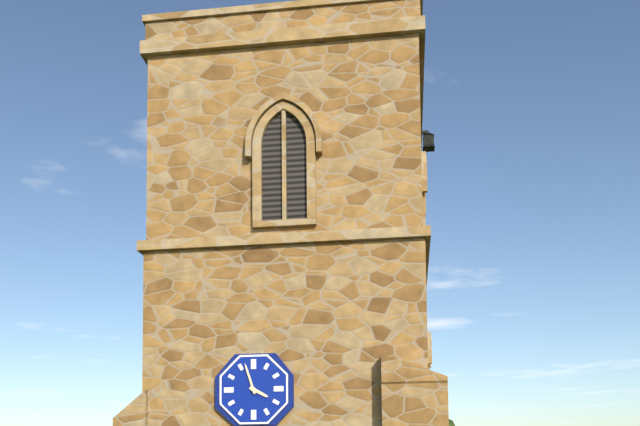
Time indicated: 3:57
